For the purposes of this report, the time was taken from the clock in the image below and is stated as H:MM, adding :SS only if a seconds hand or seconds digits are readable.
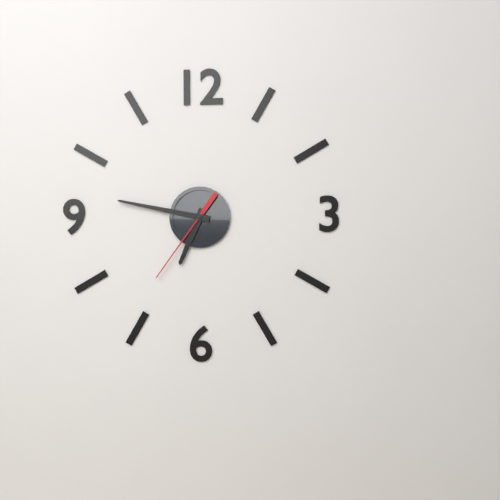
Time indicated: 6:47:36
